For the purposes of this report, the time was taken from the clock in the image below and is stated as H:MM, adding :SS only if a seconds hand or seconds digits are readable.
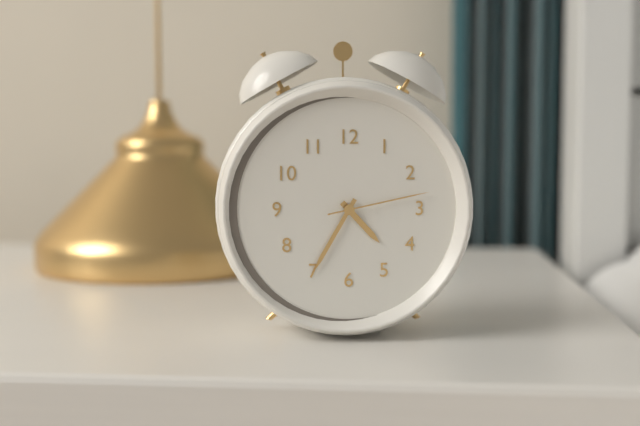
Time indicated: 4:35:13
